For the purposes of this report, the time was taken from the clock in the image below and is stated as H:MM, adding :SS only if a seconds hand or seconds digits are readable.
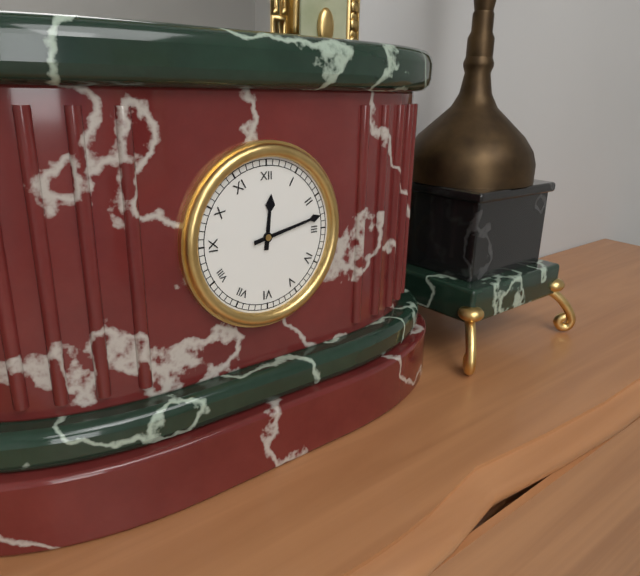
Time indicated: 12:13
